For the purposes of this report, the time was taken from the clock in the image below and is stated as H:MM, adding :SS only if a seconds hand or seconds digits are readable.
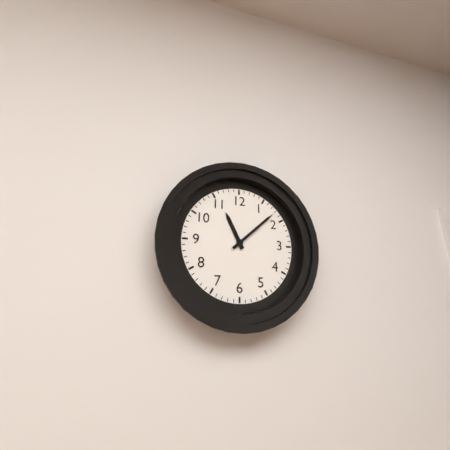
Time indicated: 11:08
